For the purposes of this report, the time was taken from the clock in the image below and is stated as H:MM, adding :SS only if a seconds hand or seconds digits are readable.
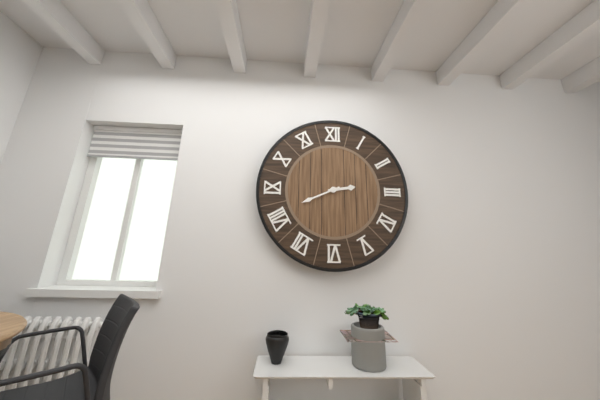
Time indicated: 2:41
